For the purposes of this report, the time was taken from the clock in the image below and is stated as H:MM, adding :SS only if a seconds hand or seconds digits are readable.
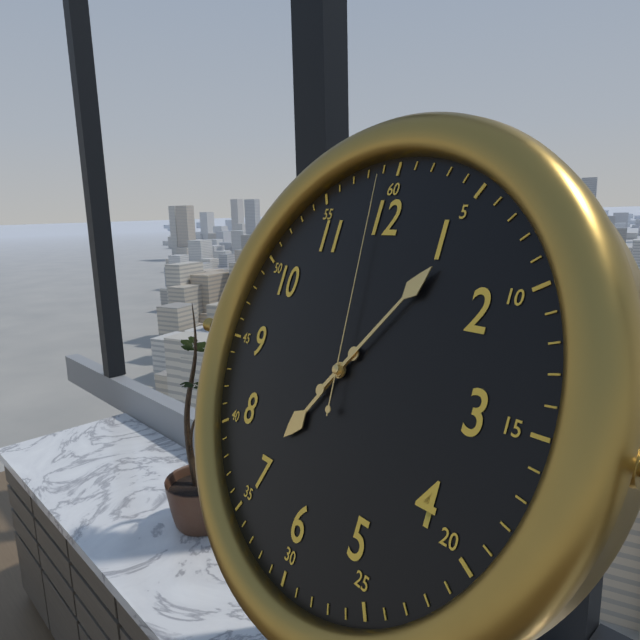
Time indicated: 7:06:59
